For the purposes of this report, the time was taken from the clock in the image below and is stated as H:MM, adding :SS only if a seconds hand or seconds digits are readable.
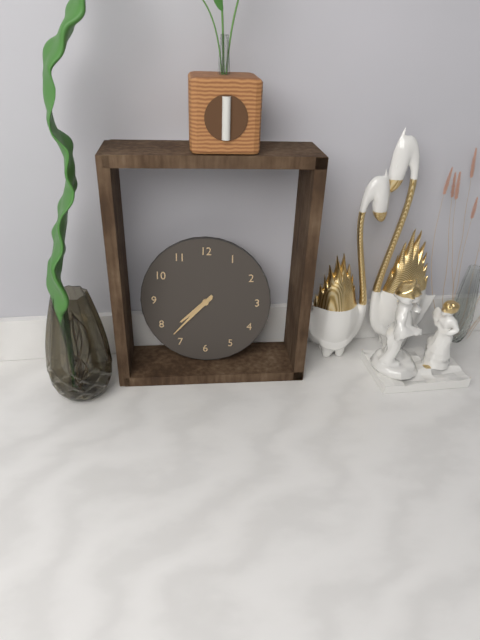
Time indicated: 7:37
